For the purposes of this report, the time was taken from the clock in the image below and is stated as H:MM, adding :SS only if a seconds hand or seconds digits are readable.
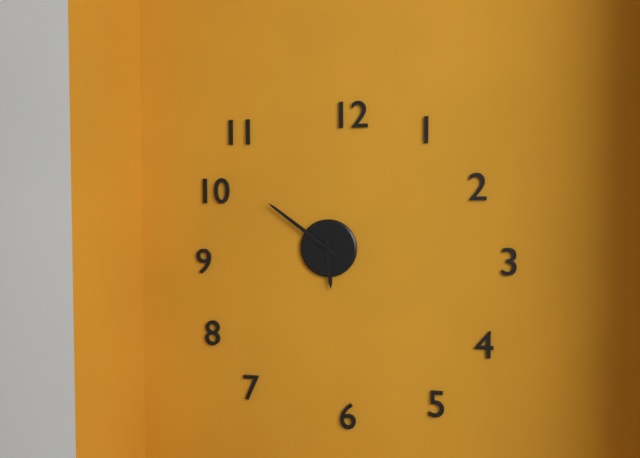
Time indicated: 5:51
